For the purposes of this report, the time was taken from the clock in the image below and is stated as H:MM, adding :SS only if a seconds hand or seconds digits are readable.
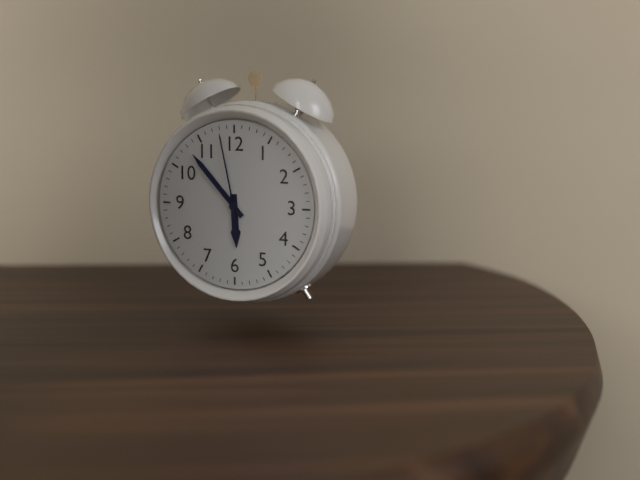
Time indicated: 5:53:58
